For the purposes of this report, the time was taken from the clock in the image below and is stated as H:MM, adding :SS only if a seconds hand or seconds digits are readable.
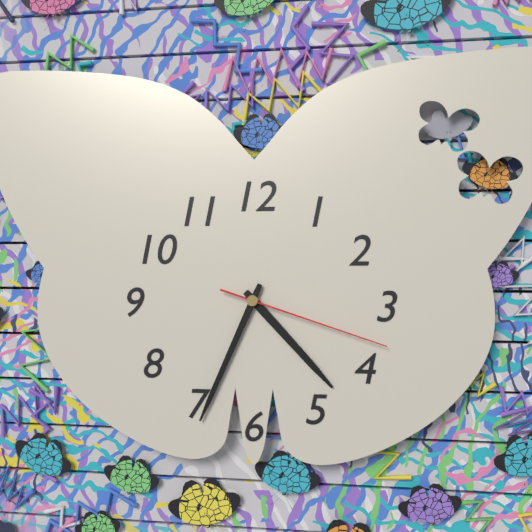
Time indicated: 4:34:18
